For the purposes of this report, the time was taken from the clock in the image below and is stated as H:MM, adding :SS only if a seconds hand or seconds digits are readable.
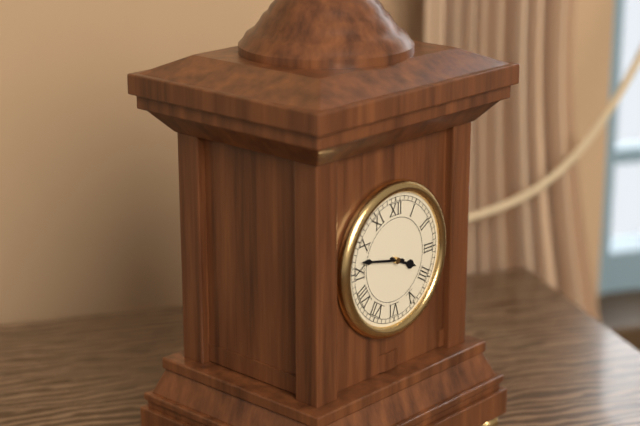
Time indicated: 3:47
